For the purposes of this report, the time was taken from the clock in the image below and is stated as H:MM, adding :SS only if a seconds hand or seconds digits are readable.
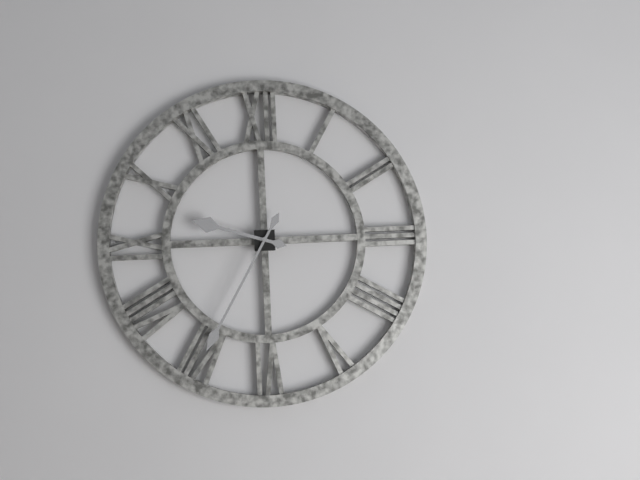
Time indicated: 9:35
